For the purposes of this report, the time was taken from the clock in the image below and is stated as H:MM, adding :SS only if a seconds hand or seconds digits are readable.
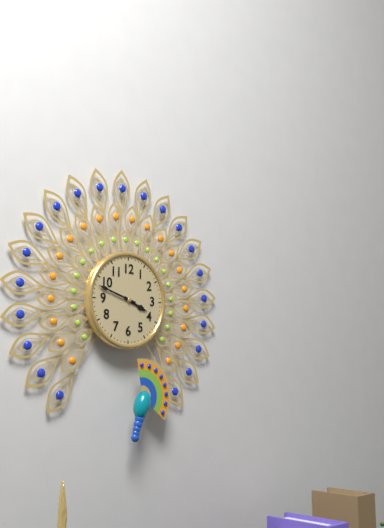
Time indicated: 3:48
